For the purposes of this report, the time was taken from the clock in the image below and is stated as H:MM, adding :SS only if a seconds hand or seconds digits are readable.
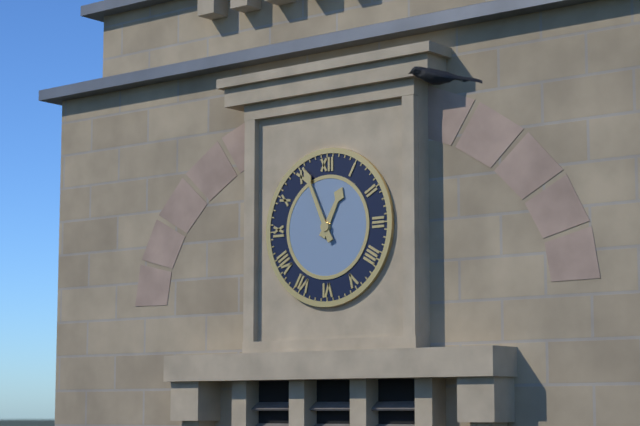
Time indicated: 12:56
